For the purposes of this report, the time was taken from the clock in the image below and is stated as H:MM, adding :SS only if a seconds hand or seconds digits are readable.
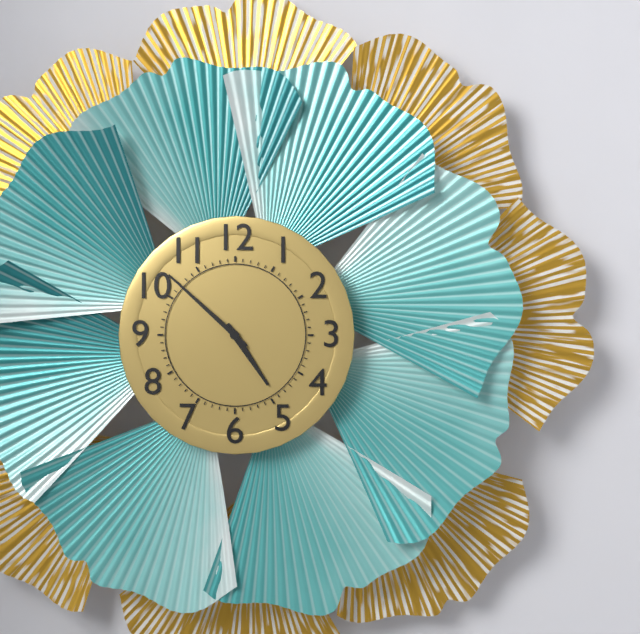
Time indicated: 4:52
